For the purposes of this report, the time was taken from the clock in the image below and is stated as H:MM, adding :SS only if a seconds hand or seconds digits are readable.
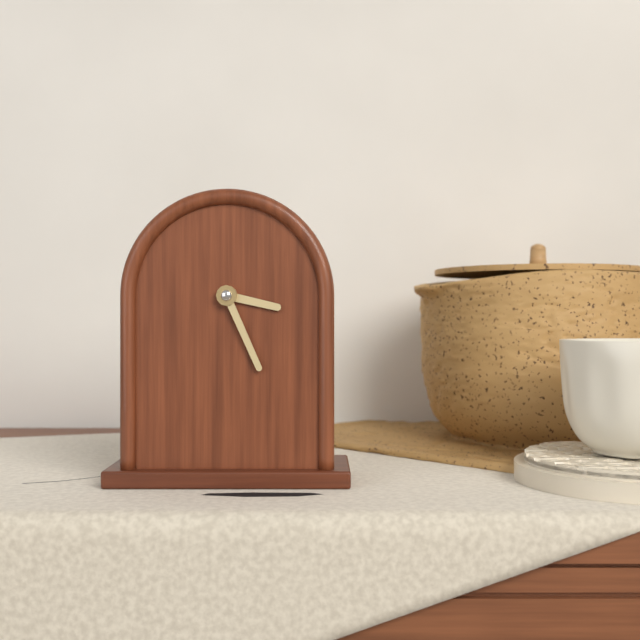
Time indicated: 3:26
